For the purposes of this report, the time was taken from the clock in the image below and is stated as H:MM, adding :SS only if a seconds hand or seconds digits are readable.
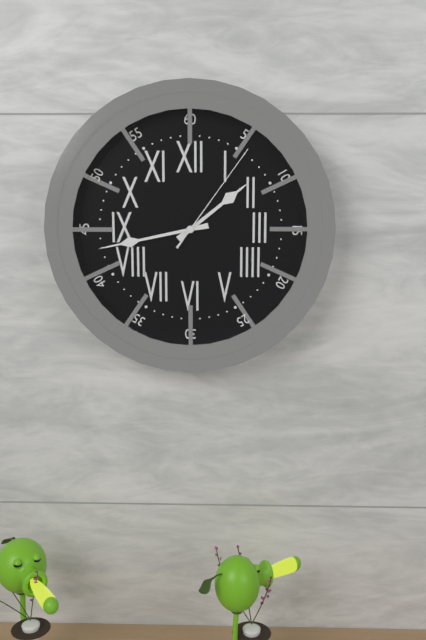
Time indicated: 1:43:06
